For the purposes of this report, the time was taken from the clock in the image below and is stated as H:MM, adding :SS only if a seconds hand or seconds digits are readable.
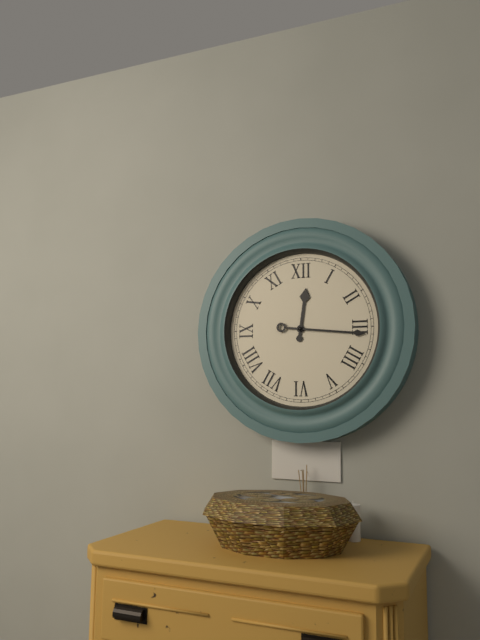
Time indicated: 12:16
